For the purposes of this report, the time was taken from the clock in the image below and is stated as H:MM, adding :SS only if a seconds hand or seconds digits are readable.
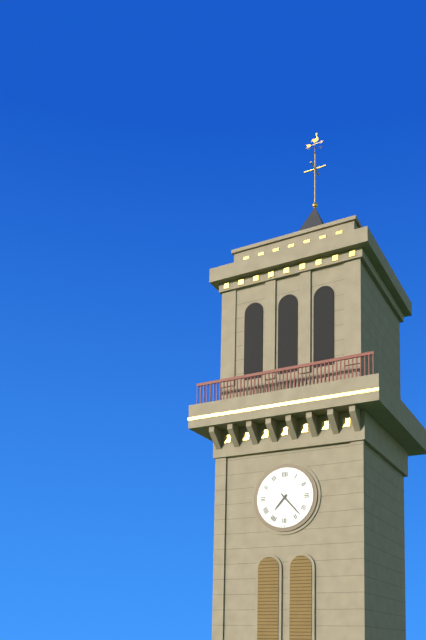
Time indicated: 7:23
